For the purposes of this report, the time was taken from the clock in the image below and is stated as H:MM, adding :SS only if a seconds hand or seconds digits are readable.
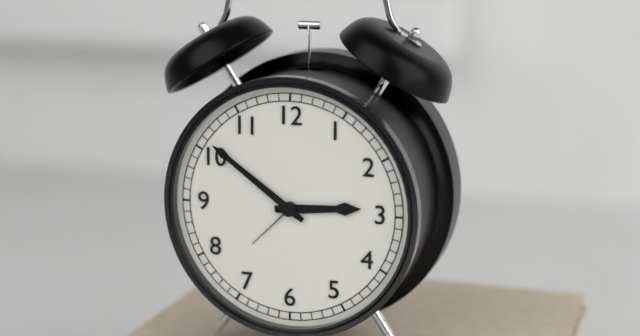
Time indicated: 2:51
